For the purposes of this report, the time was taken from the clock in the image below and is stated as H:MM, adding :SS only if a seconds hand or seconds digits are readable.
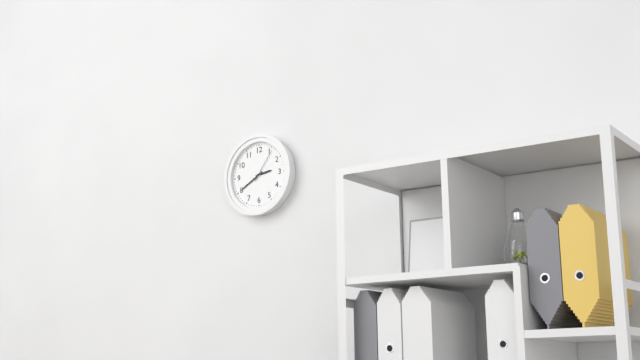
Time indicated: 2:40
